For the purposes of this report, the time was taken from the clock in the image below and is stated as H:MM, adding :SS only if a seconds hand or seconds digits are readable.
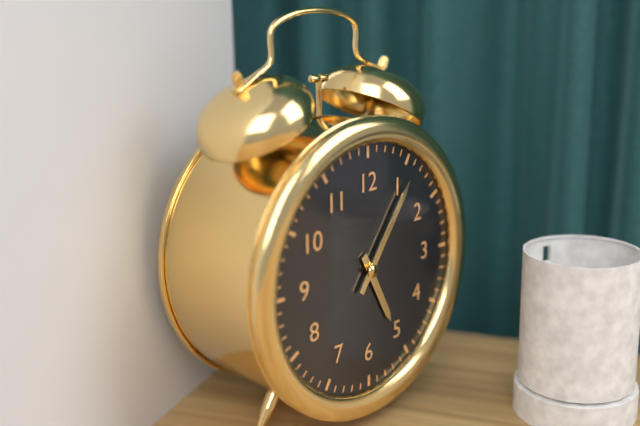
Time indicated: 5:06
